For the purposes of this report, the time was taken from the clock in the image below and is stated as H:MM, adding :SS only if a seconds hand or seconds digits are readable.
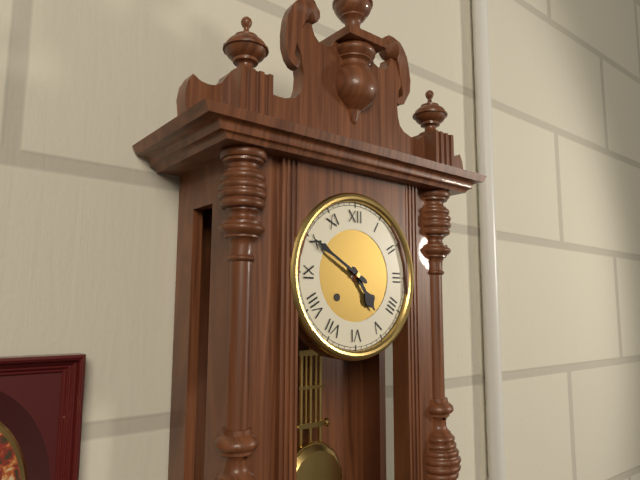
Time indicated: 4:50
